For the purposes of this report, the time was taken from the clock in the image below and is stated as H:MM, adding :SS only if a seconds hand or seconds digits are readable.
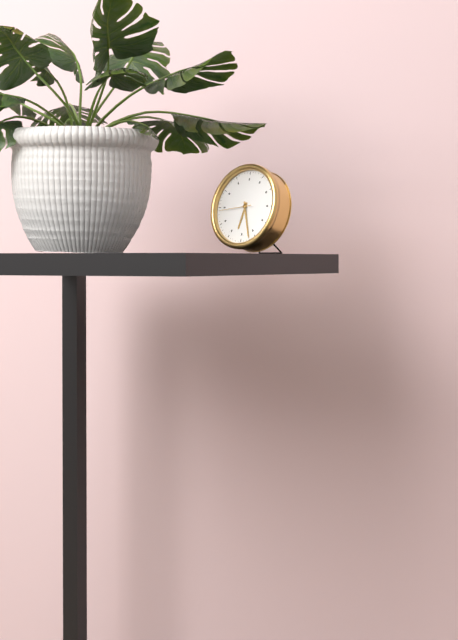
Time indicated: 6:27
